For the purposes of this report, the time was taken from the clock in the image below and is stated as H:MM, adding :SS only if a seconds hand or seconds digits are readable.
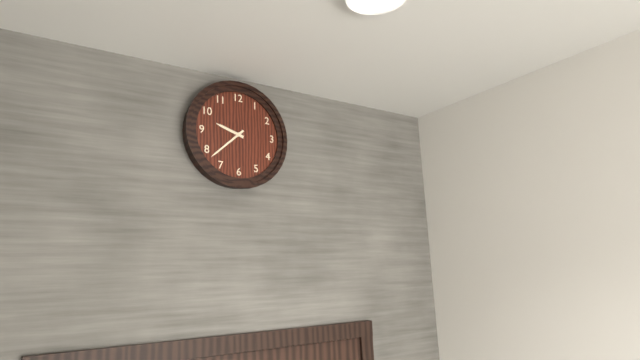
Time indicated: 9:38
